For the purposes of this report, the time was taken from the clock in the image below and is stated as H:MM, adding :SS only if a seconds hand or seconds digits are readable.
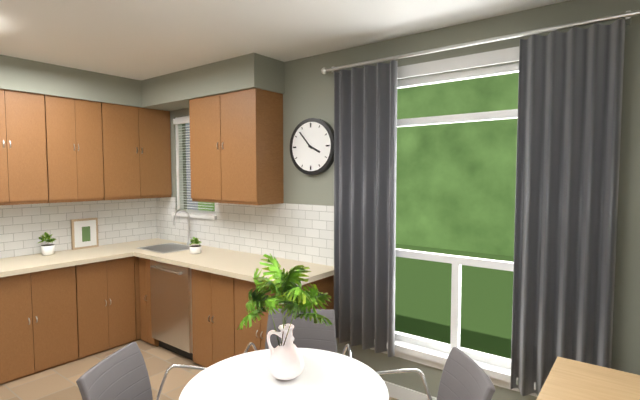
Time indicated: 3:53
